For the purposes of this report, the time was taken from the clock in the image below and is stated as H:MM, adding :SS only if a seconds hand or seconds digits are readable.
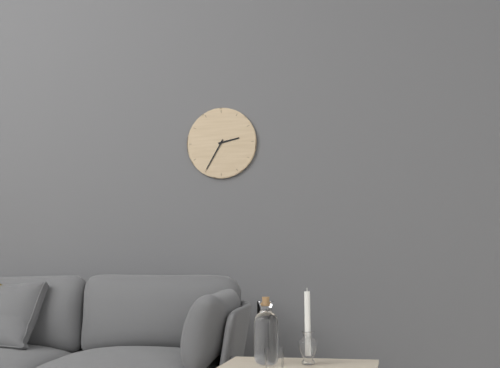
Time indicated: 2:35
